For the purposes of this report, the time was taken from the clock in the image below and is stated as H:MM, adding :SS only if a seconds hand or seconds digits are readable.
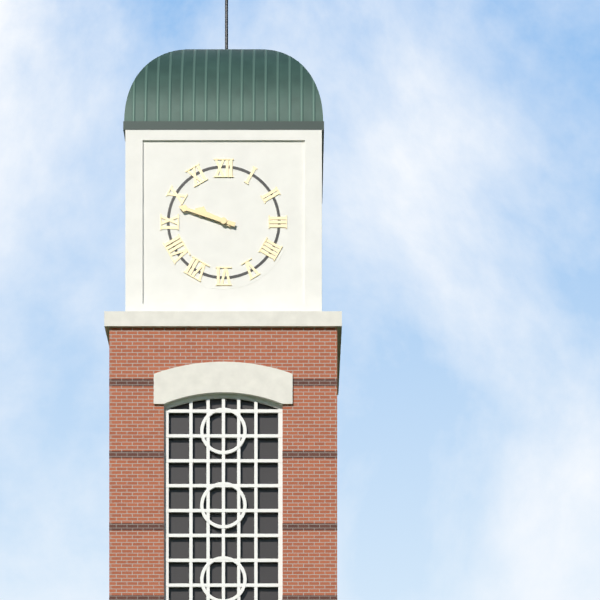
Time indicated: 9:48
